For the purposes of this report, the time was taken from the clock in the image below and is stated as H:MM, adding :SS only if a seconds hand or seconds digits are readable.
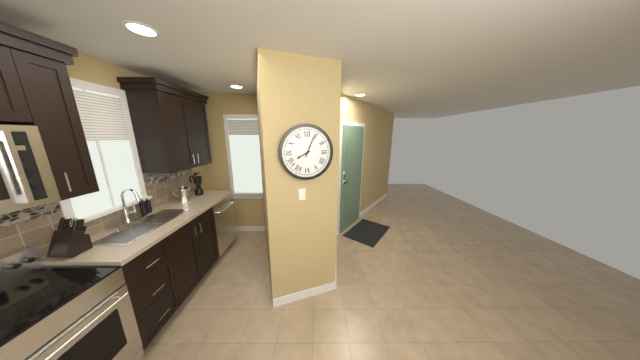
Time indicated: 8:04
